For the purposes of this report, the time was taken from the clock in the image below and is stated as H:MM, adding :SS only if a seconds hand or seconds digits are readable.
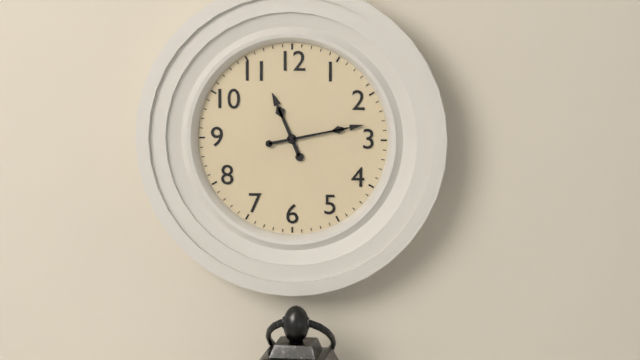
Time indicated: 11:13
